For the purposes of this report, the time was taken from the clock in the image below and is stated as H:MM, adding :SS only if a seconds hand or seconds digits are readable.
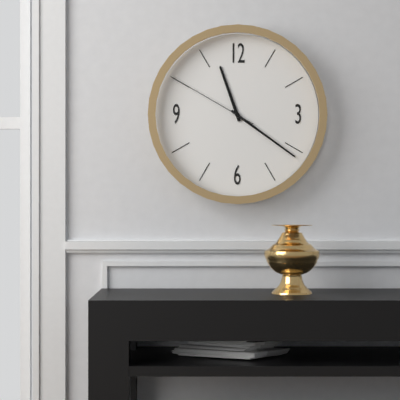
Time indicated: 11:21:50
